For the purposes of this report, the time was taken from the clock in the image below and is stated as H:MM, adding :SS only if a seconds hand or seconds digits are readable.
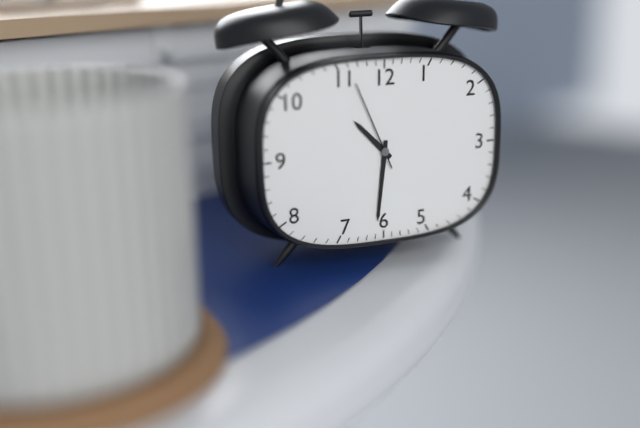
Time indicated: 10:31:56
